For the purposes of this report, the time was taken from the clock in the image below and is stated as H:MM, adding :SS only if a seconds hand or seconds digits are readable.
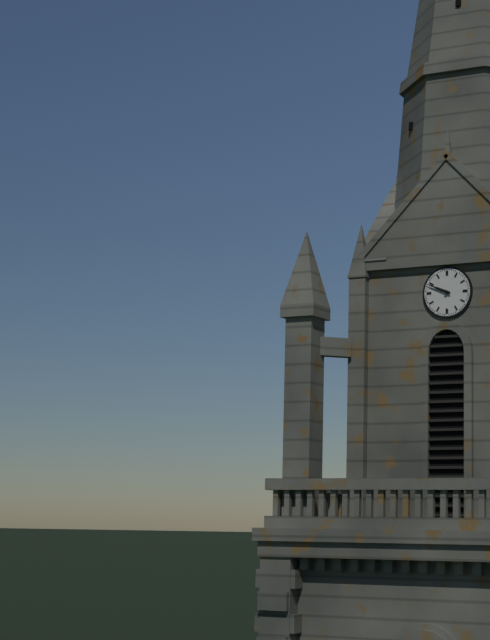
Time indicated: 9:49
